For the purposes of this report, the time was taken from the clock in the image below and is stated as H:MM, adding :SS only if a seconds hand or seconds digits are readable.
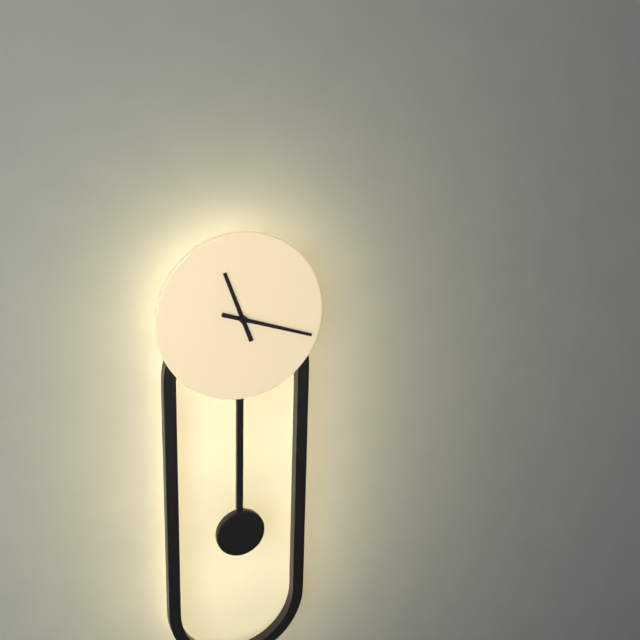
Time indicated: 11:18
